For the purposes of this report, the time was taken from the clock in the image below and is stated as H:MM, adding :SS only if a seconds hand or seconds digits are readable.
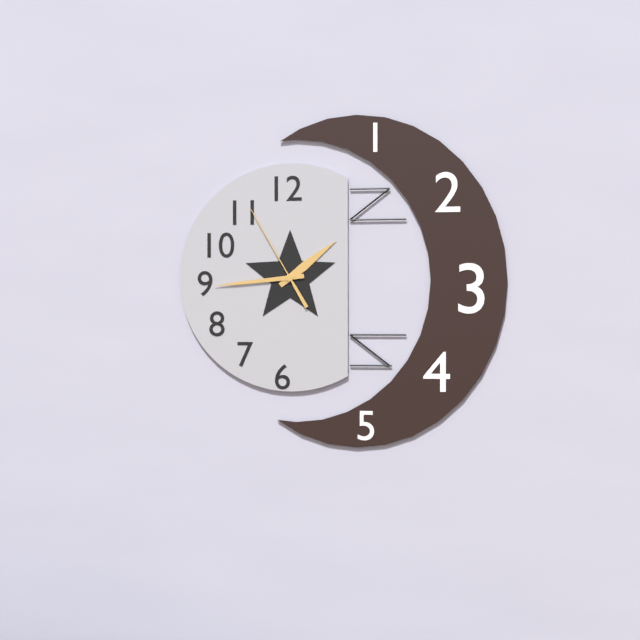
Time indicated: 1:44:55
